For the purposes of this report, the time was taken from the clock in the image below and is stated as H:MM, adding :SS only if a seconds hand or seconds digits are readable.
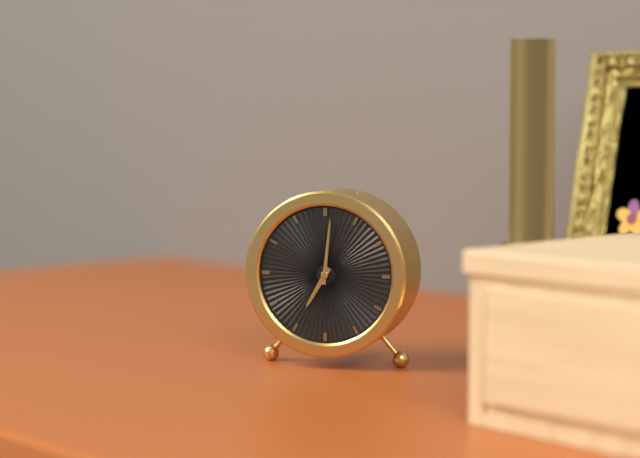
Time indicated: 7:01
